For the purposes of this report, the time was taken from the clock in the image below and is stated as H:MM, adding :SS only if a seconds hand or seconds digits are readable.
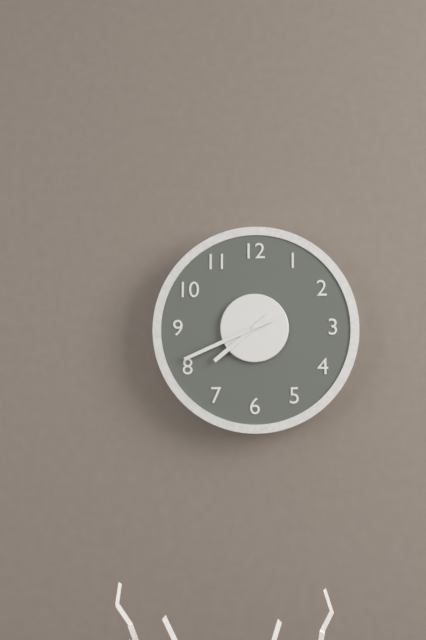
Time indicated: 7:41
